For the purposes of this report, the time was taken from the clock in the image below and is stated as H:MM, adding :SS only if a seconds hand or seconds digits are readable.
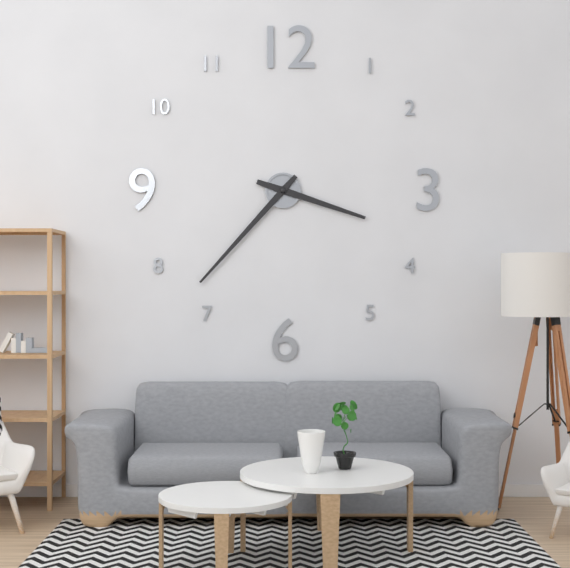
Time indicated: 3:37
